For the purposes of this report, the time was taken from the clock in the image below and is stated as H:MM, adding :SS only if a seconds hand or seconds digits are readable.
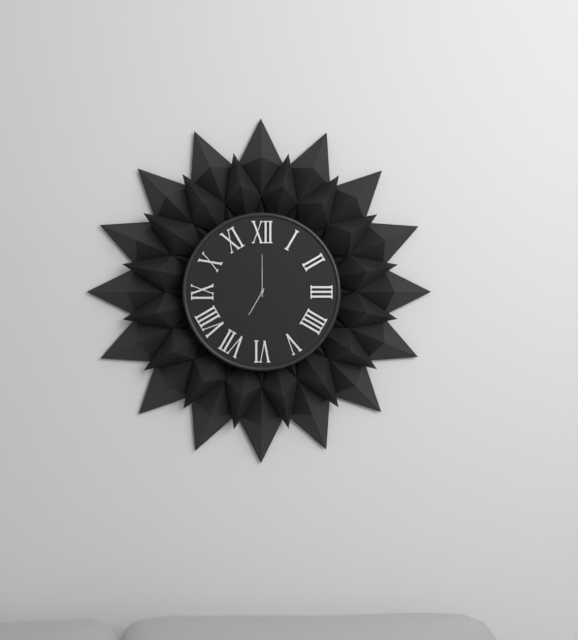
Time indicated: 7:00
